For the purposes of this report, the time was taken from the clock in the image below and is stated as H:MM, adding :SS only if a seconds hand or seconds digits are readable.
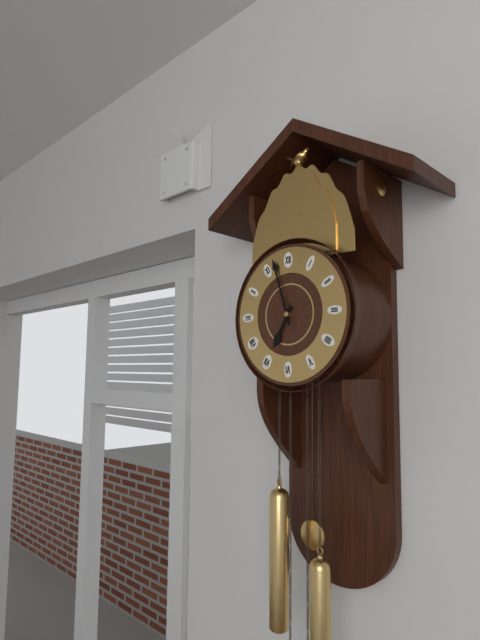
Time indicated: 6:57
